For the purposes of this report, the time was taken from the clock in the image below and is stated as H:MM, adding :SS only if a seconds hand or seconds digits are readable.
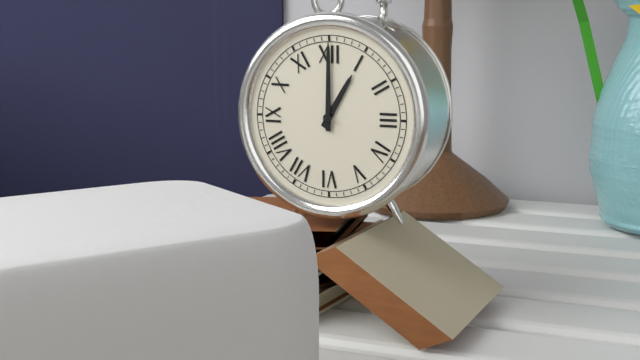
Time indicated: 1:00
